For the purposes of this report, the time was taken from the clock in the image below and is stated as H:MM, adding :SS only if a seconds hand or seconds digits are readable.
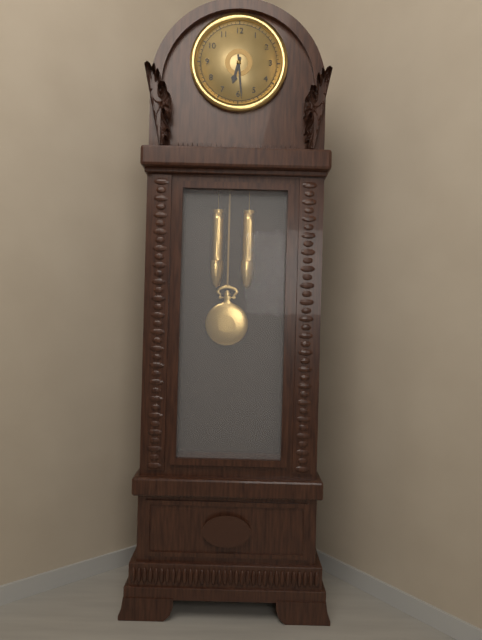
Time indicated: 6:29
